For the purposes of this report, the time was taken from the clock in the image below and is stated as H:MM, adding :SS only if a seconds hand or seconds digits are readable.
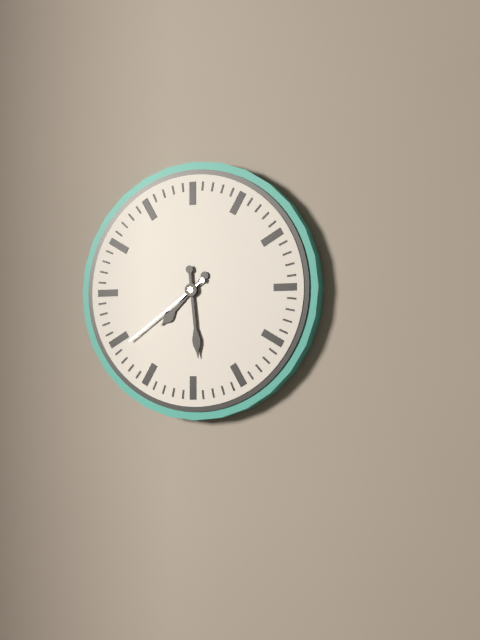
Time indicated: 7:29:39
